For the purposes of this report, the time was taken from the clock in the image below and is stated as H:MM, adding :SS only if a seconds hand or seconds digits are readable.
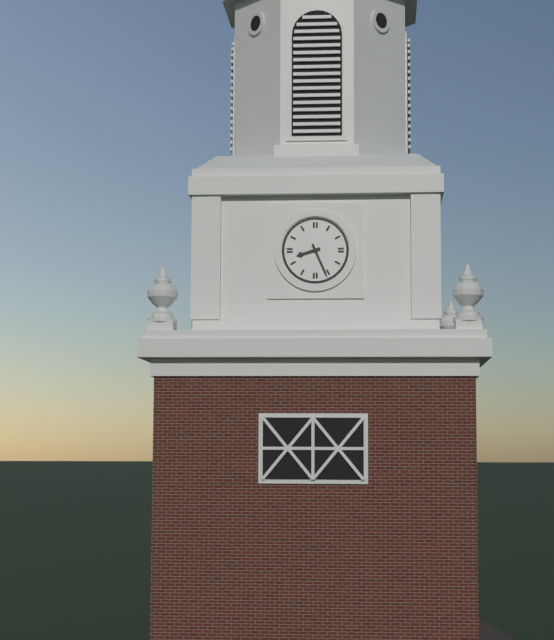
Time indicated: 8:26
